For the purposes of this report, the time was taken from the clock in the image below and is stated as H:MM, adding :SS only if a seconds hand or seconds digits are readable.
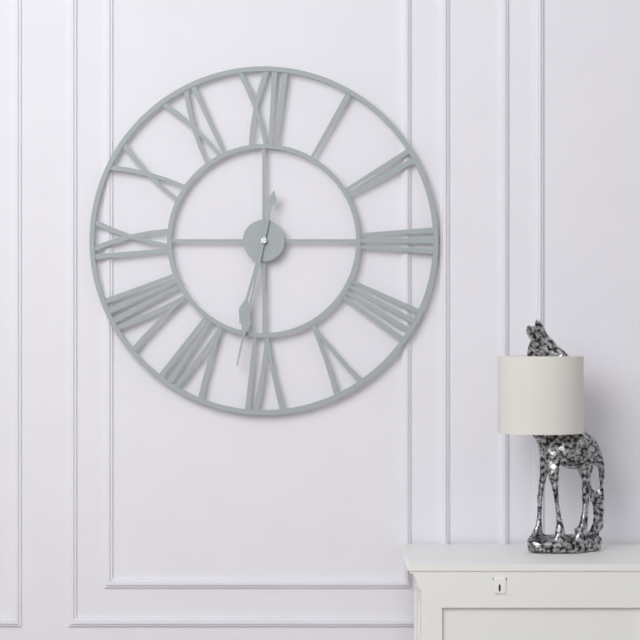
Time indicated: 6:32
